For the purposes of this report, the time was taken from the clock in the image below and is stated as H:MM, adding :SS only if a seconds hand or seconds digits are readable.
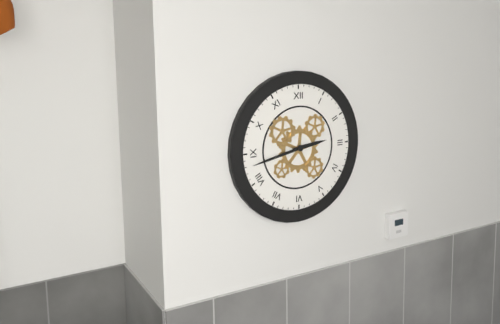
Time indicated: 2:43
